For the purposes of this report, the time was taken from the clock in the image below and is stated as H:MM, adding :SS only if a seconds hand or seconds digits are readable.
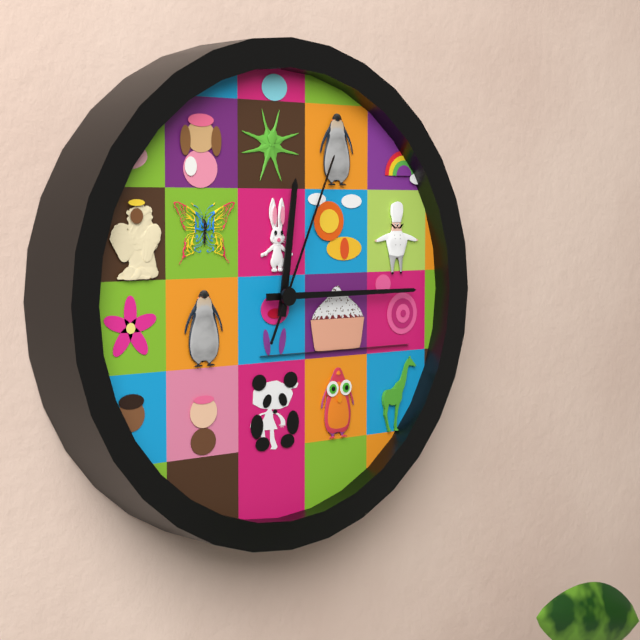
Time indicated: 12:15:04
